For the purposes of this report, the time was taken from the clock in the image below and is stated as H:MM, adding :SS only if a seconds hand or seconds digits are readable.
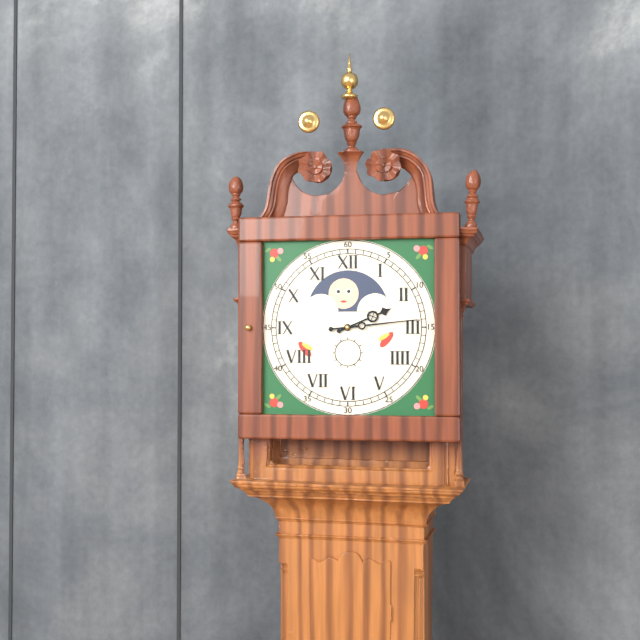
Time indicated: 2:14
